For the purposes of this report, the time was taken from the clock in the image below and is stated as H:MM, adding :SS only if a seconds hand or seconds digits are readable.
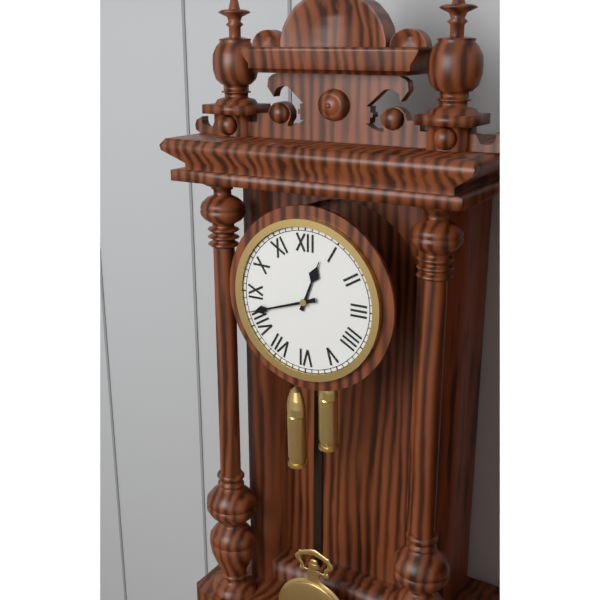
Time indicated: 12:42
